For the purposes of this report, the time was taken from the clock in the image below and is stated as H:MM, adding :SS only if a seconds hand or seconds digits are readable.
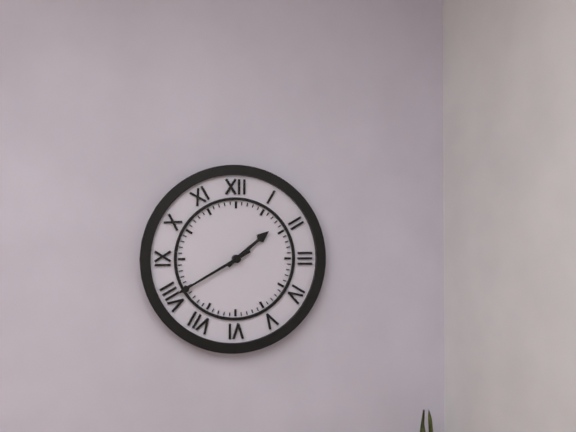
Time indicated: 1:40
